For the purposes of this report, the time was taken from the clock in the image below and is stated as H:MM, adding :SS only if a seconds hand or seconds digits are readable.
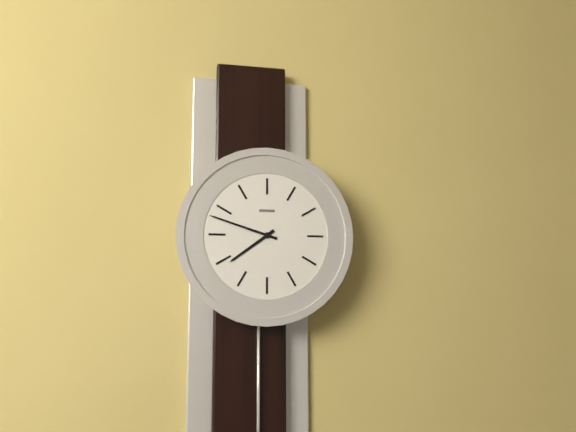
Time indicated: 7:48
